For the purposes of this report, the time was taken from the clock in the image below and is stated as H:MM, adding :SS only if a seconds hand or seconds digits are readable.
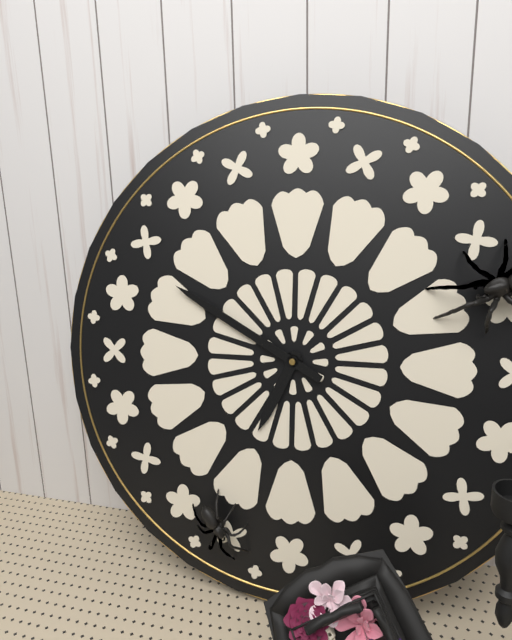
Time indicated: 6:50
